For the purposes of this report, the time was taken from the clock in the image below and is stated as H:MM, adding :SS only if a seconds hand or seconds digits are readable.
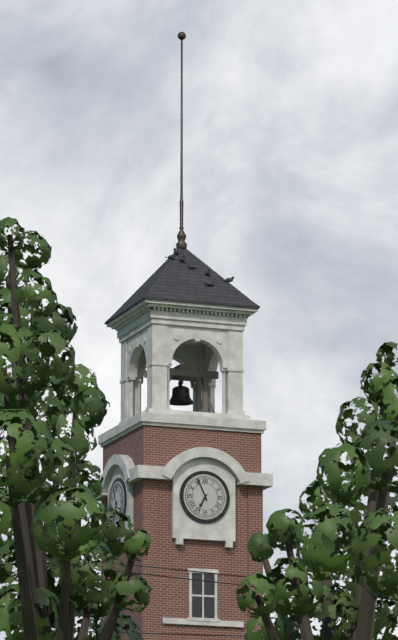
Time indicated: 6:56
